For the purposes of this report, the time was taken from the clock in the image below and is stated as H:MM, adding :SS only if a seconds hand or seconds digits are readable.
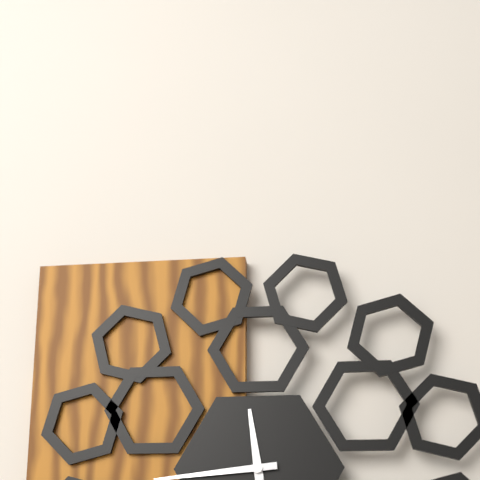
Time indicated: 11:44
